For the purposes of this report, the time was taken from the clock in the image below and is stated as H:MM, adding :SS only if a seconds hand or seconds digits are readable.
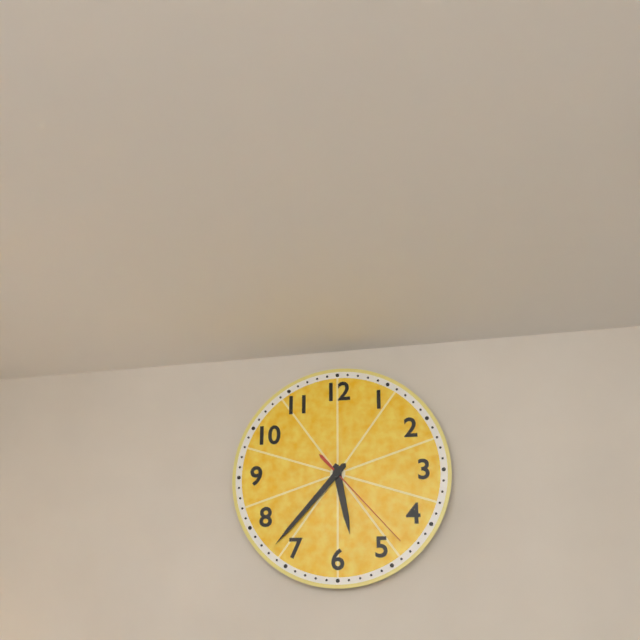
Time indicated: 5:37:23
